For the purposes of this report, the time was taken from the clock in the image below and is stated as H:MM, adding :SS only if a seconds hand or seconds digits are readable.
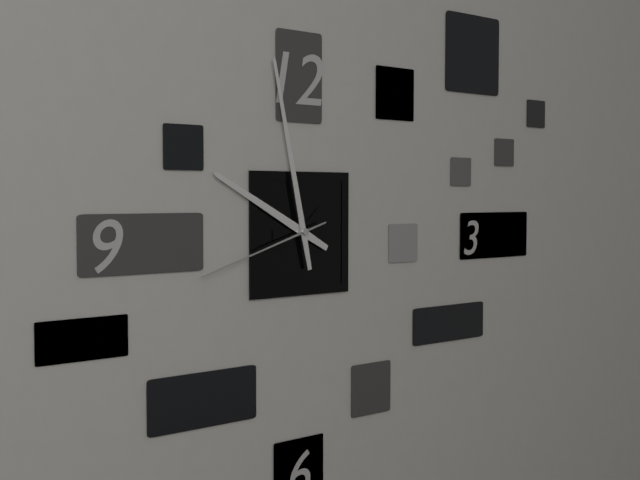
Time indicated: 9:58:42
